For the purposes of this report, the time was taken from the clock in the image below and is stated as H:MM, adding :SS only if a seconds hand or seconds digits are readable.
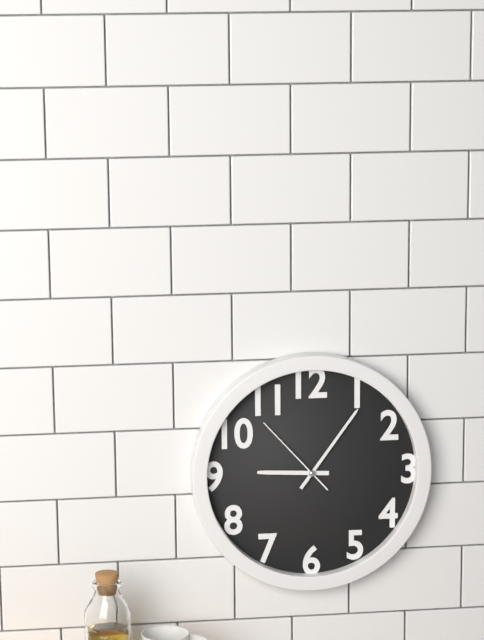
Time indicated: 9:06:53
